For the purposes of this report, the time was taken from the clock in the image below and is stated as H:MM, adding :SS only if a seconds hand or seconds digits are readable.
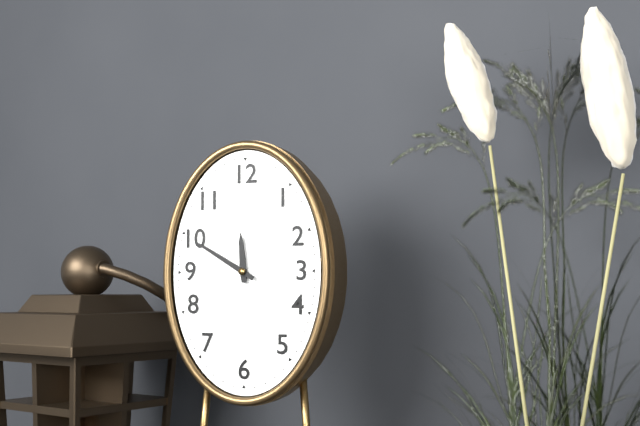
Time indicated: 11:50
